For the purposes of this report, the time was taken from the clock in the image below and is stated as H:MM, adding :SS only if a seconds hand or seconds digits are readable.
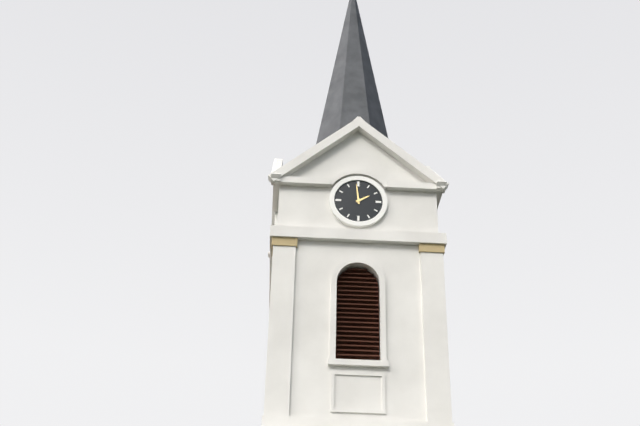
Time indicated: 1:59
